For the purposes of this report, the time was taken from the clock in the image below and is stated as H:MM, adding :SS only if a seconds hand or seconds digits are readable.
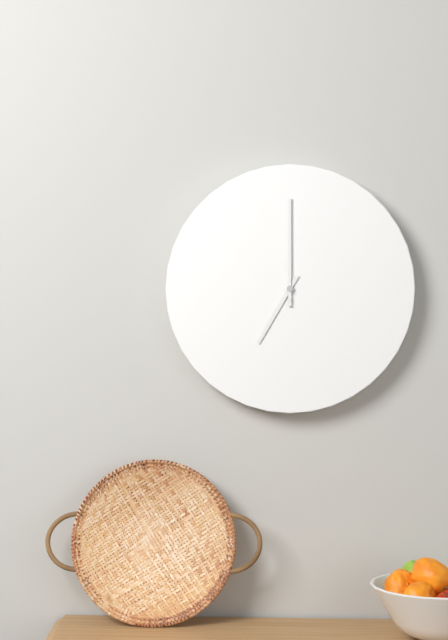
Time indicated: 7:00
